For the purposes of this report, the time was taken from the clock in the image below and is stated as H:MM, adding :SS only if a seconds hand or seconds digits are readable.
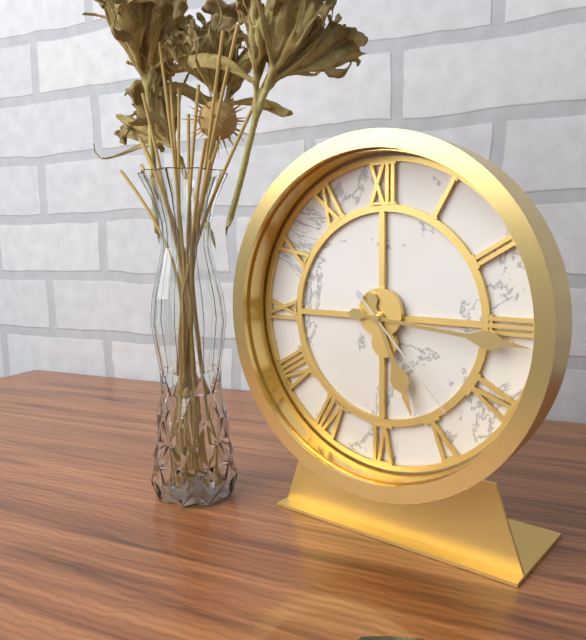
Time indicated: 5:16:23
